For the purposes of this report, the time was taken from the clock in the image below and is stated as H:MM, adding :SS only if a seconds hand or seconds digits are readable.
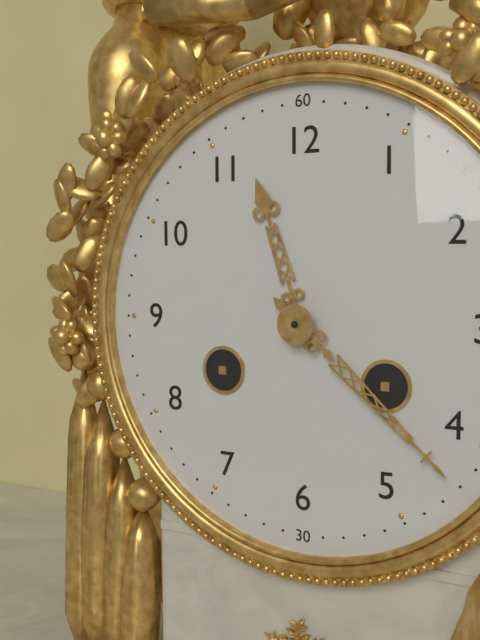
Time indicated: 11:22
